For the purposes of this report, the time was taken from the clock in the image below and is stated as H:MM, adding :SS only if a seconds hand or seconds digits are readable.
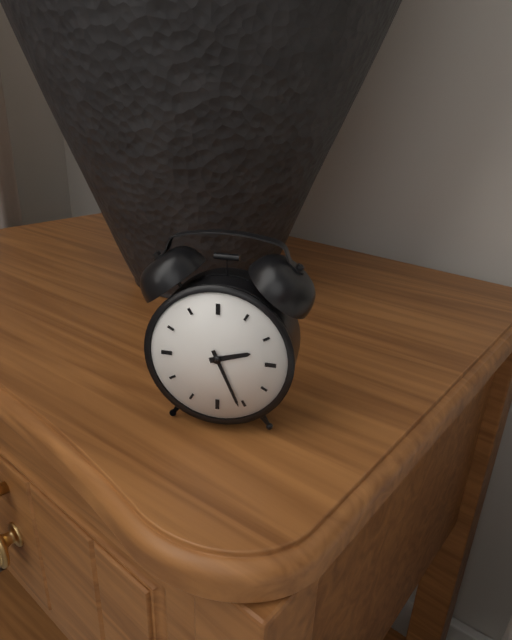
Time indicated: 2:26
